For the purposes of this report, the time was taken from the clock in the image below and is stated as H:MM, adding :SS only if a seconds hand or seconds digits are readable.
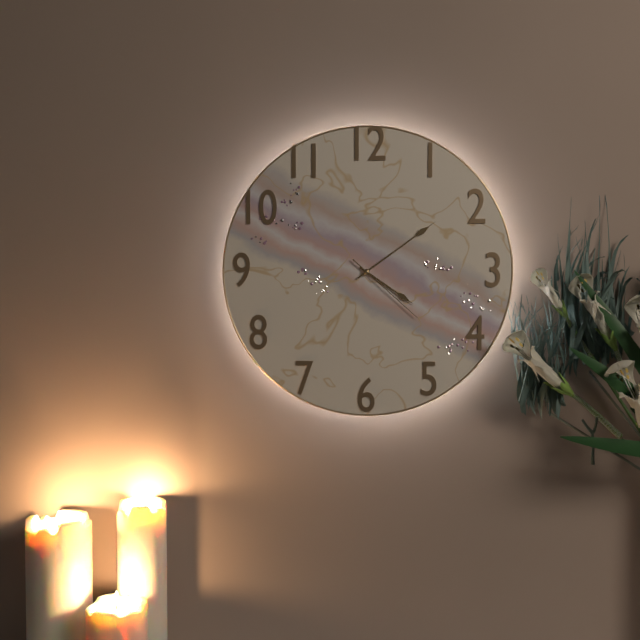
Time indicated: 4:09:22
